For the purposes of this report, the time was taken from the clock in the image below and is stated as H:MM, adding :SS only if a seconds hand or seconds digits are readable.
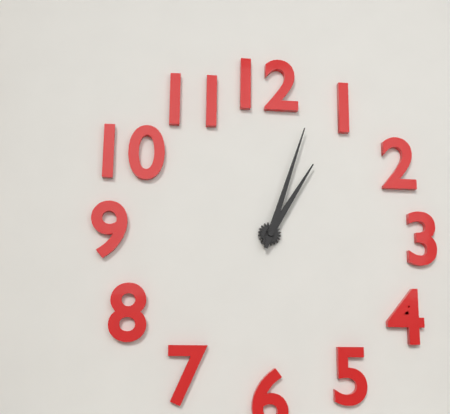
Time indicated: 1:03
